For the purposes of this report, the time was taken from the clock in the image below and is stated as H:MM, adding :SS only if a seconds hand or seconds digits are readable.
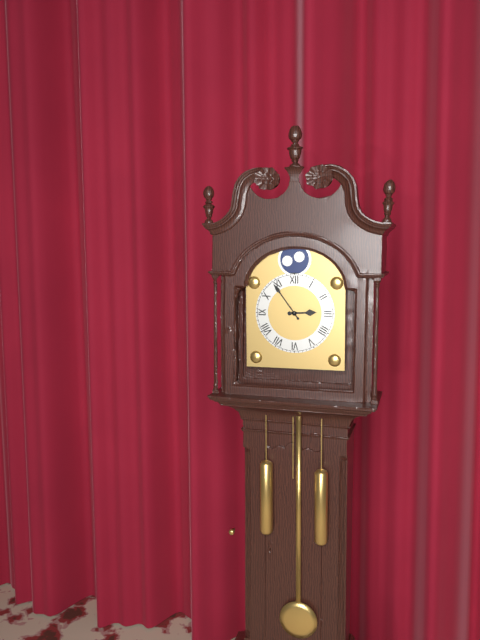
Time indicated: 2:54
